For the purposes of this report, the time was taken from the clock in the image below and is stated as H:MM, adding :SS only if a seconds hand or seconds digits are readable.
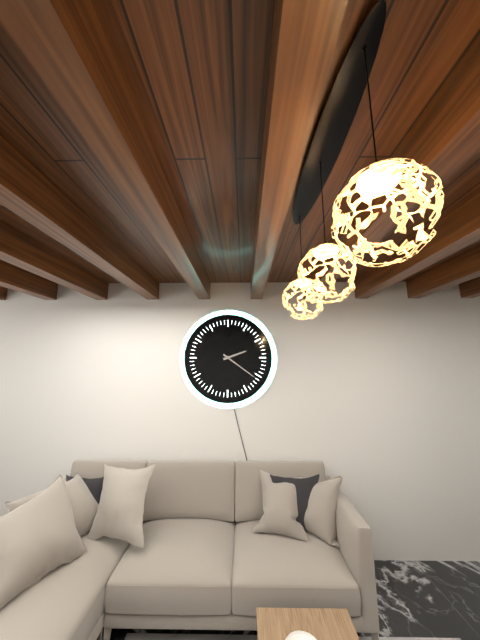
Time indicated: 2:21
